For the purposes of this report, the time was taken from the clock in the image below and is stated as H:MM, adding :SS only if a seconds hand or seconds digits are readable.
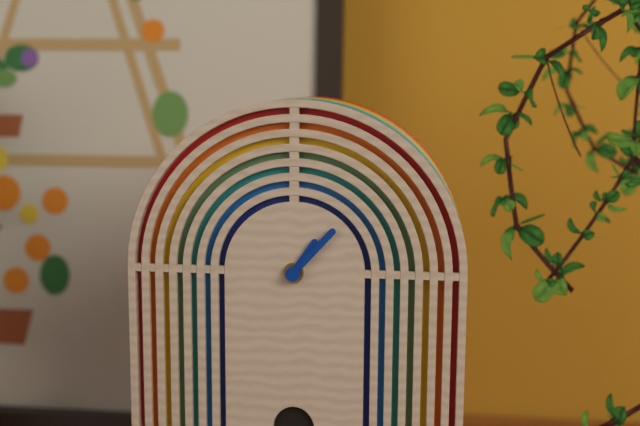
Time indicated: 1:07
